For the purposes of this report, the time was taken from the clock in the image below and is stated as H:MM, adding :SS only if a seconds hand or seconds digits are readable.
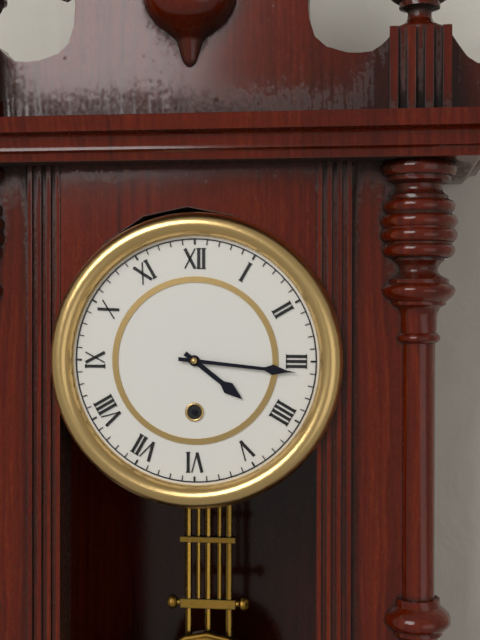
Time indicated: 4:16
